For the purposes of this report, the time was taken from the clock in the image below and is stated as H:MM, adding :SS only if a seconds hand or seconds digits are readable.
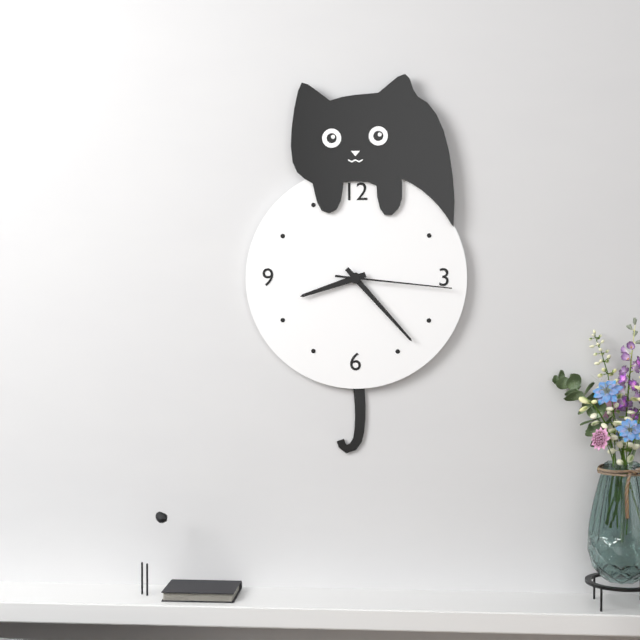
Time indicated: 8:23:16
